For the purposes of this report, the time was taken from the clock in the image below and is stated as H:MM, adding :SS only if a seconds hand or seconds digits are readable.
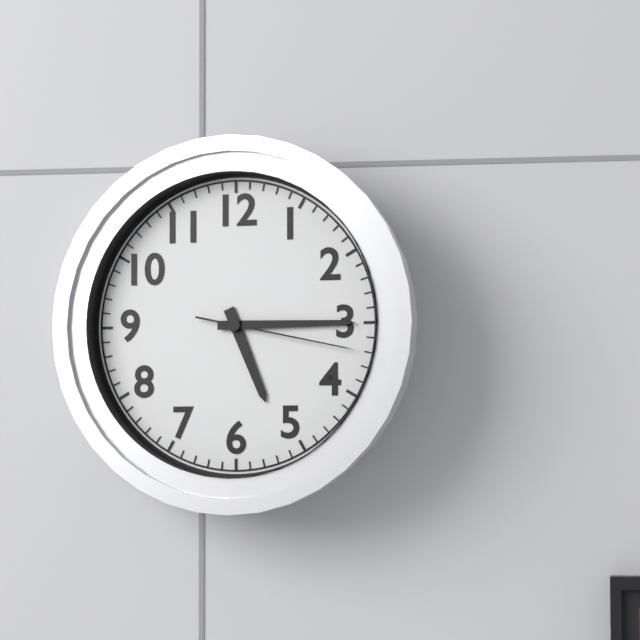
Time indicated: 5:15:17
